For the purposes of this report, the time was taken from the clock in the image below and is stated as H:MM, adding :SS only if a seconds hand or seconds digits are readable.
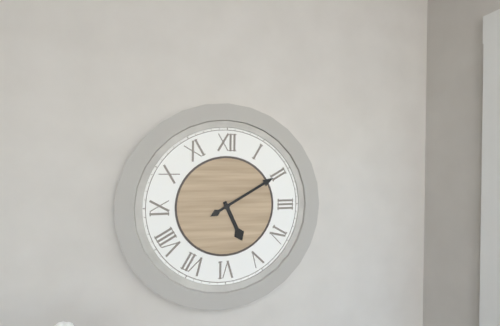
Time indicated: 5:10
